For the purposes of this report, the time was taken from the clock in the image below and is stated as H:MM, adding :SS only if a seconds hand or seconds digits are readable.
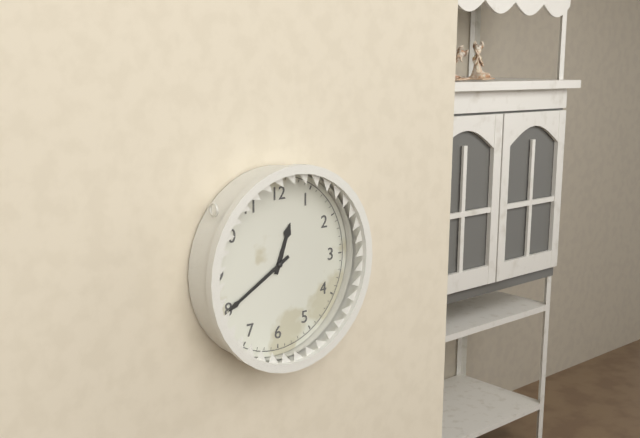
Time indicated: 12:40
